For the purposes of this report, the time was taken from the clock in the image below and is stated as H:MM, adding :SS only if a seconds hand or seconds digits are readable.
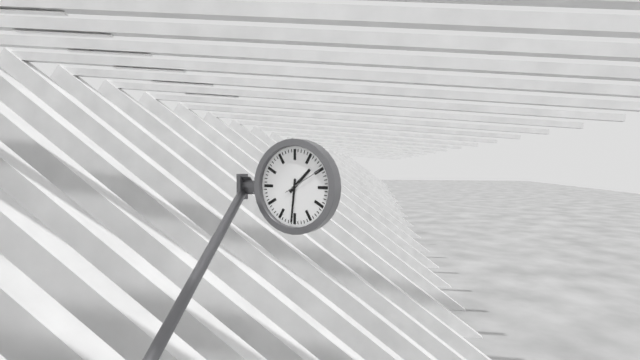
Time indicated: 1:31
